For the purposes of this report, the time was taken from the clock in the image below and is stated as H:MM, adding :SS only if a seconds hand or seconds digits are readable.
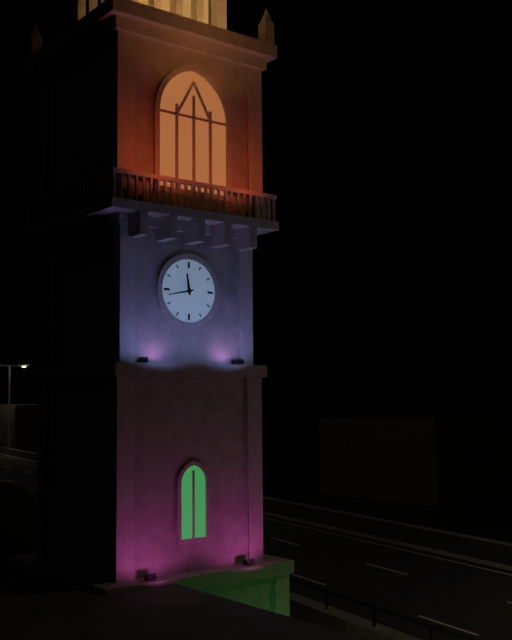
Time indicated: 11:43
